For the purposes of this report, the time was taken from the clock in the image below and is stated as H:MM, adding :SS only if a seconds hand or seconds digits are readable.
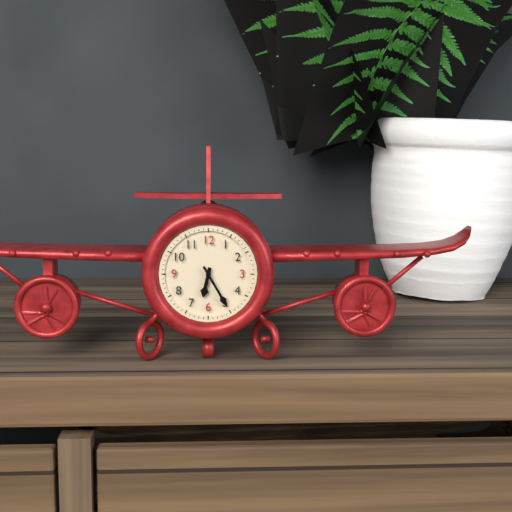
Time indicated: 6:25
